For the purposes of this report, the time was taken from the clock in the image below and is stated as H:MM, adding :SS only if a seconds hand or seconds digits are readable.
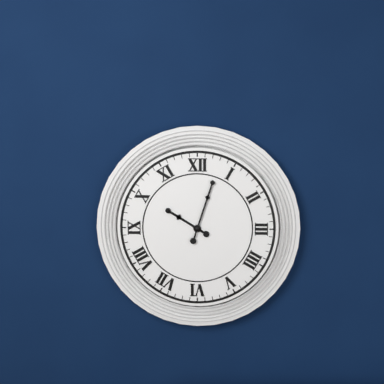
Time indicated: 10:03
